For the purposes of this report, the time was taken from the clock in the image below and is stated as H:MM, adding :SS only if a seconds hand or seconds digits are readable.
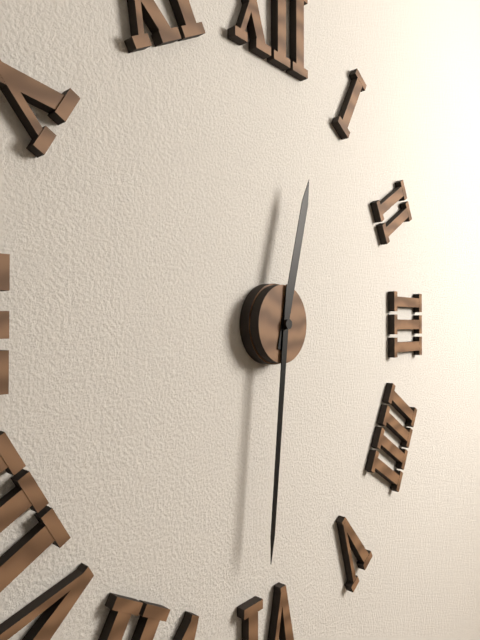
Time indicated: 12:31
